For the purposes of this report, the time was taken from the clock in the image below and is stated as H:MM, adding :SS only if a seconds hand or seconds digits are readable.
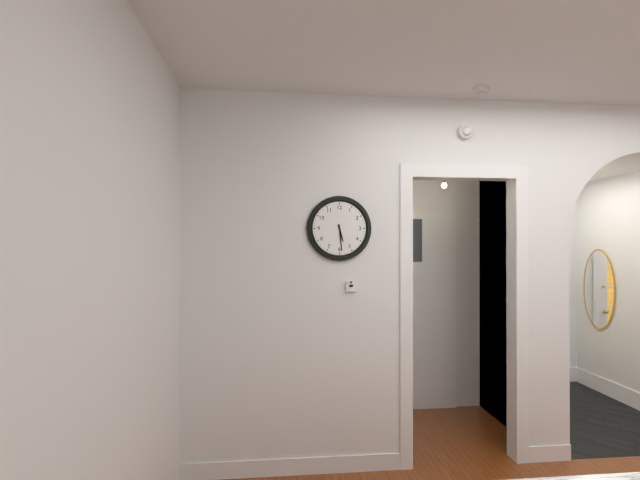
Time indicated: 5:29
